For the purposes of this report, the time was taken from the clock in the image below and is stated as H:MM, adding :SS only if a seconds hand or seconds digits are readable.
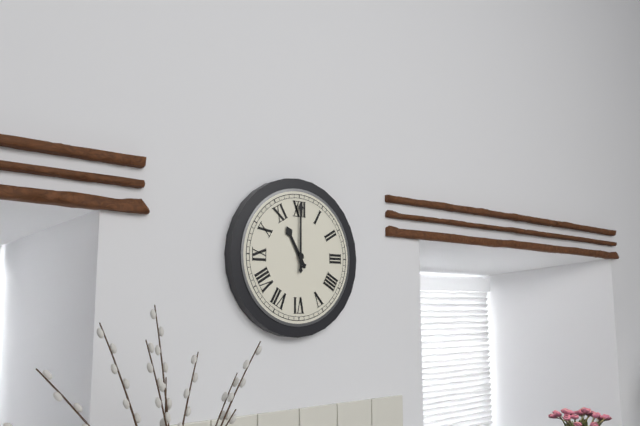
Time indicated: 11:00
